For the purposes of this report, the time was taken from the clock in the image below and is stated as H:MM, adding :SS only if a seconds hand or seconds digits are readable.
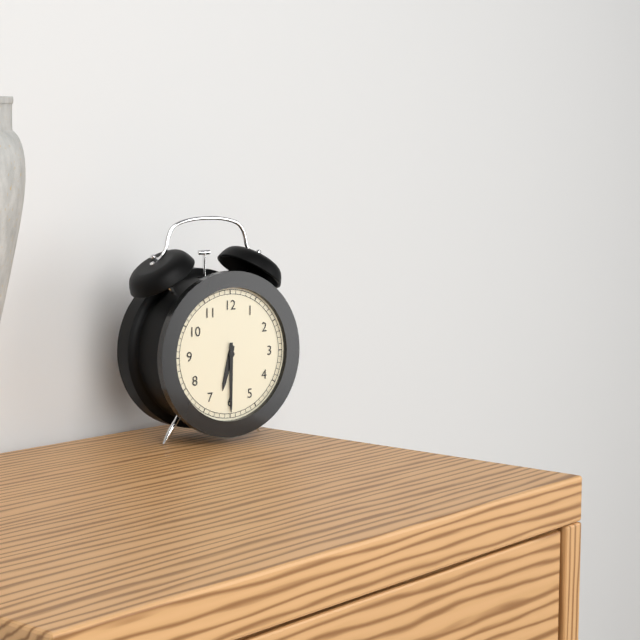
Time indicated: 6:30
